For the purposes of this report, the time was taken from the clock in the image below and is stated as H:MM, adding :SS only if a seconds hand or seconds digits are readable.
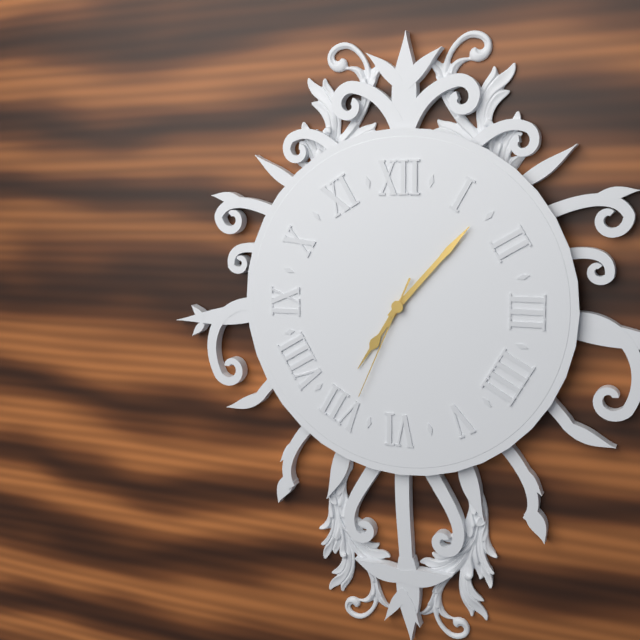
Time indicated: 7:07:34
